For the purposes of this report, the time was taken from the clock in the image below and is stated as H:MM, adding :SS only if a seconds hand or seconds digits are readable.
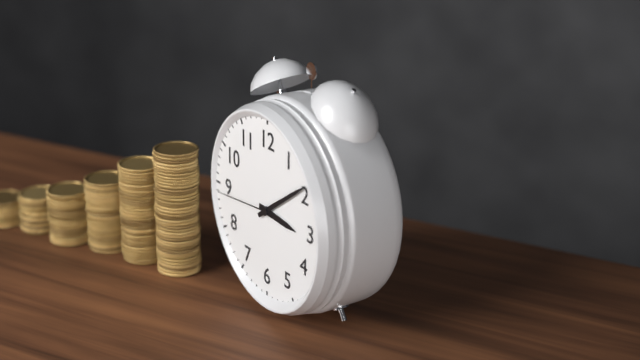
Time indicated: 3:09:44
